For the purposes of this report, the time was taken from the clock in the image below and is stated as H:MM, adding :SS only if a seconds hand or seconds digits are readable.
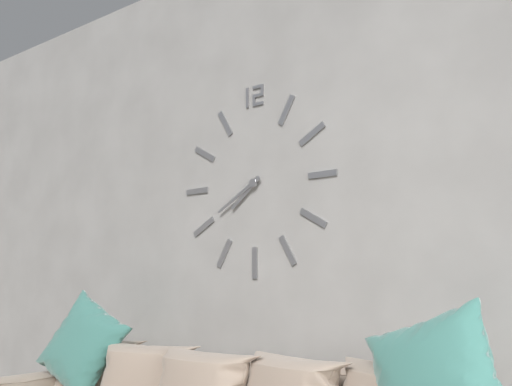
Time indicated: 7:40
